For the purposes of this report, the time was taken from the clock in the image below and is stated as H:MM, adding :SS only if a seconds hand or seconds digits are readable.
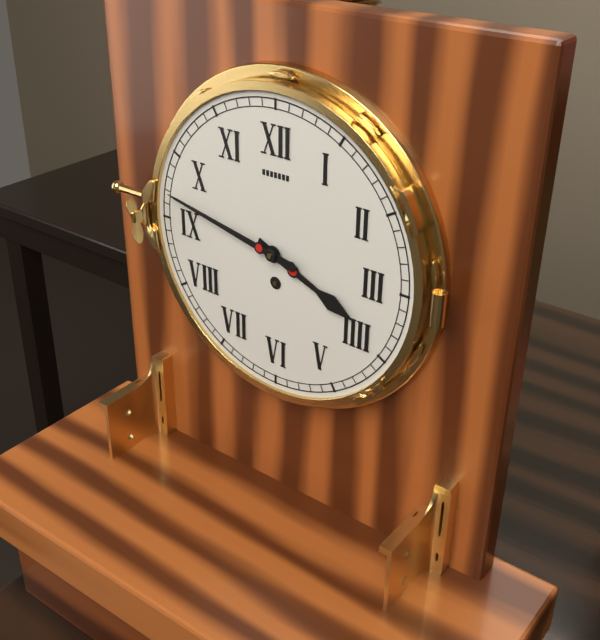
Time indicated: 3:47
